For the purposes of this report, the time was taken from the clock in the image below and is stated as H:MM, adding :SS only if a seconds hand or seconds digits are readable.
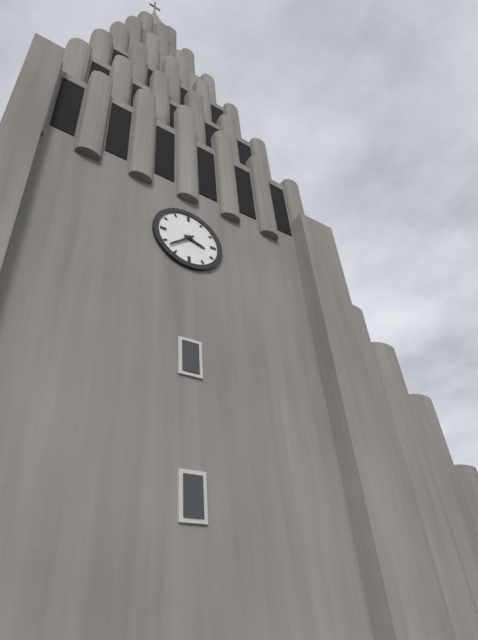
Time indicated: 3:38
